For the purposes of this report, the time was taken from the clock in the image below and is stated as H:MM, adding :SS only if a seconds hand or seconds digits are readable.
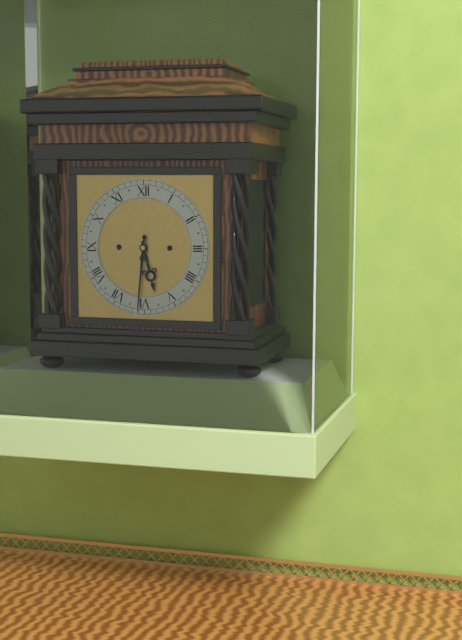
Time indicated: 5:31
